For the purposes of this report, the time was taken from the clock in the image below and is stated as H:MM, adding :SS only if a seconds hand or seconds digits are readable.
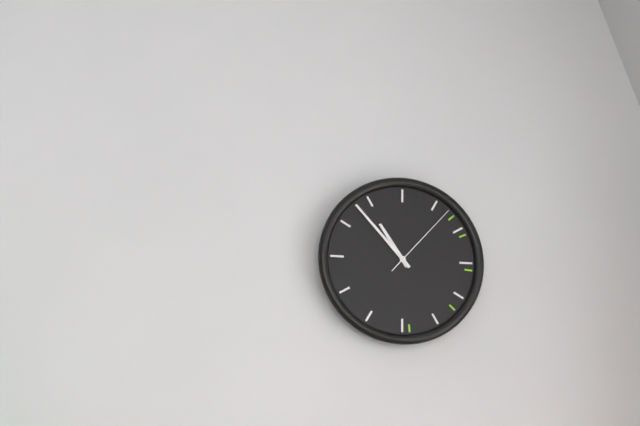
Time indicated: 10:53:07
